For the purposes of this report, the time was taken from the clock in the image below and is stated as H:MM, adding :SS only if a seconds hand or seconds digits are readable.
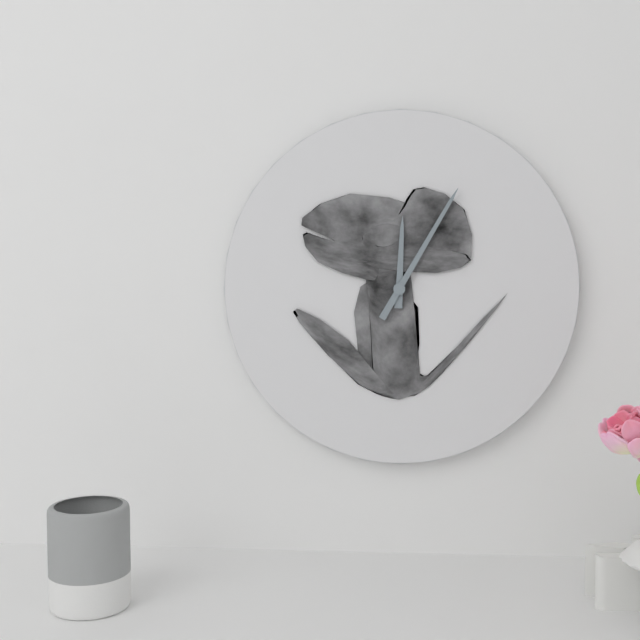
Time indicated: 12:05
